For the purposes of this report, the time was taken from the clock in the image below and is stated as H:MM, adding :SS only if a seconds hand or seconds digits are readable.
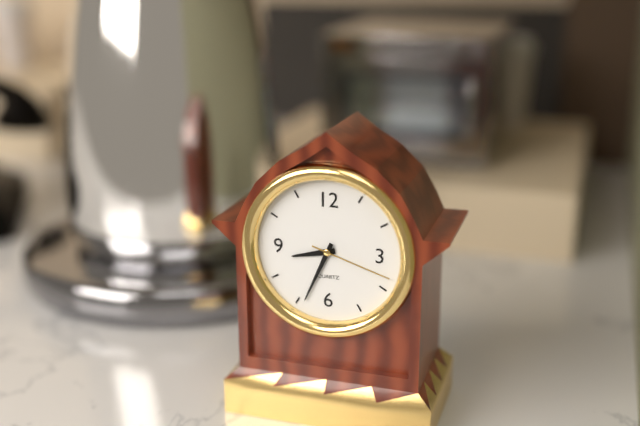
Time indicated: 8:34:18
